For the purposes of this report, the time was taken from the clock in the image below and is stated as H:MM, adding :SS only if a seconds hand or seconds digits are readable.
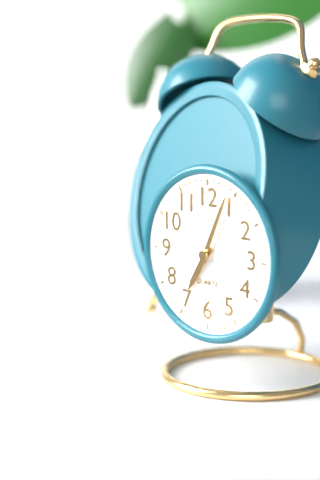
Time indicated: 7:04
